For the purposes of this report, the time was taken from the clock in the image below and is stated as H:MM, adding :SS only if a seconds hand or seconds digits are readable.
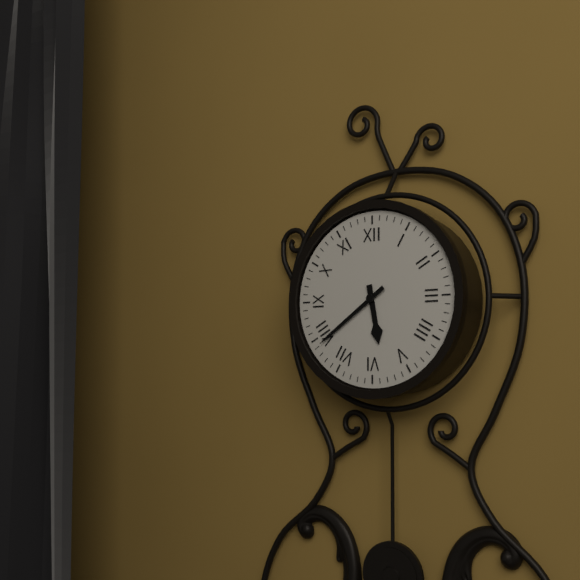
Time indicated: 5:39
